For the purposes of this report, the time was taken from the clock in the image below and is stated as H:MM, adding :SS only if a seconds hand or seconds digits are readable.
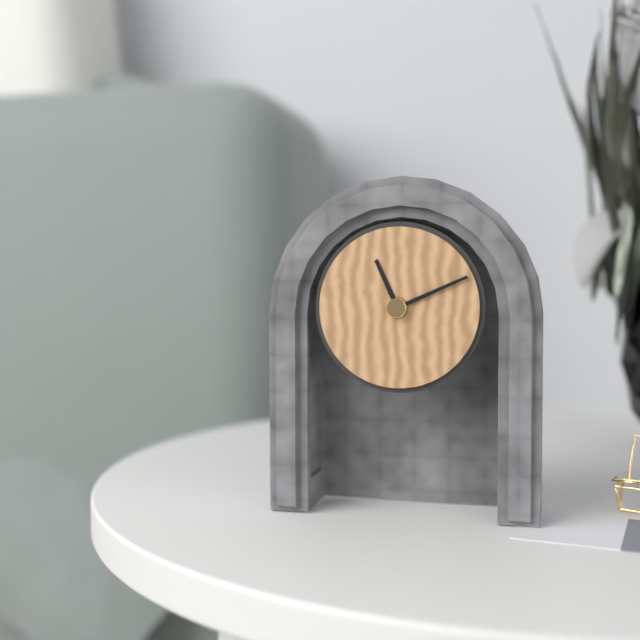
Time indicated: 11:11
